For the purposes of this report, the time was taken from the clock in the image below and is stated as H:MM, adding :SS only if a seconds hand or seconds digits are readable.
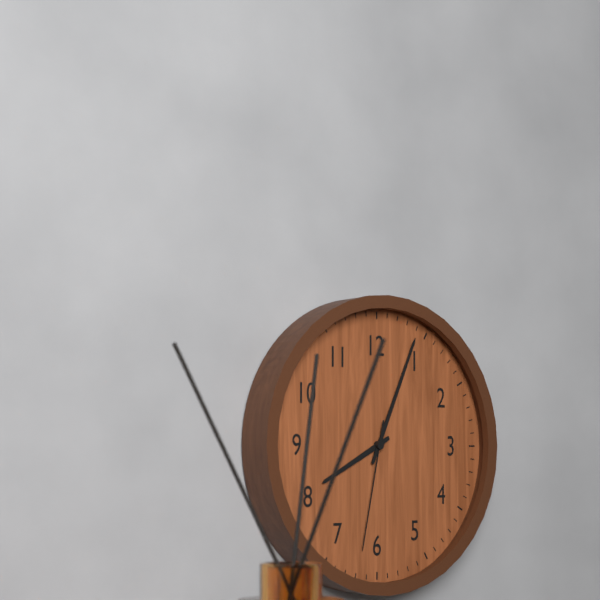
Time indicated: 8:04:32
